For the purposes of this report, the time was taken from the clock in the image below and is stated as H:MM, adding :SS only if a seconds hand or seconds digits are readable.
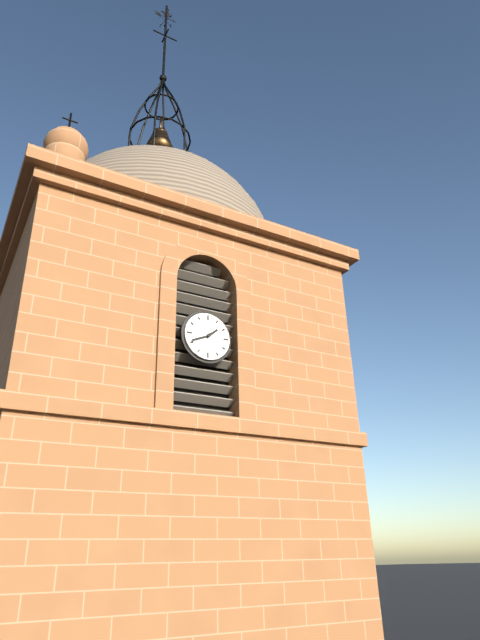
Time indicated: 1:41
